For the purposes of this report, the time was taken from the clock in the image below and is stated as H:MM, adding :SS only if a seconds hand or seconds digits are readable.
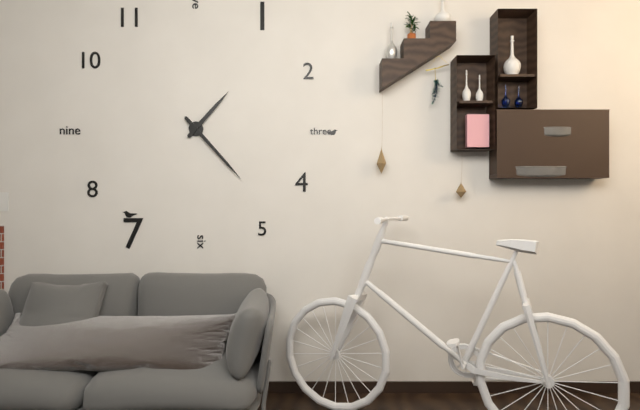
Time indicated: 1:23
